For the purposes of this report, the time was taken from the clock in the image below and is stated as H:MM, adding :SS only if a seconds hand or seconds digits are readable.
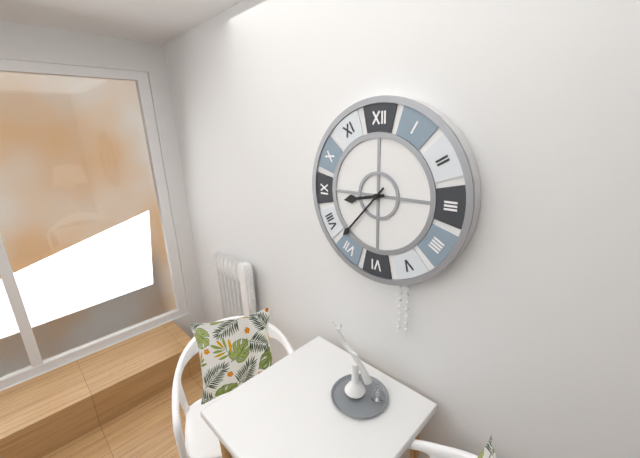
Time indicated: 8:37
